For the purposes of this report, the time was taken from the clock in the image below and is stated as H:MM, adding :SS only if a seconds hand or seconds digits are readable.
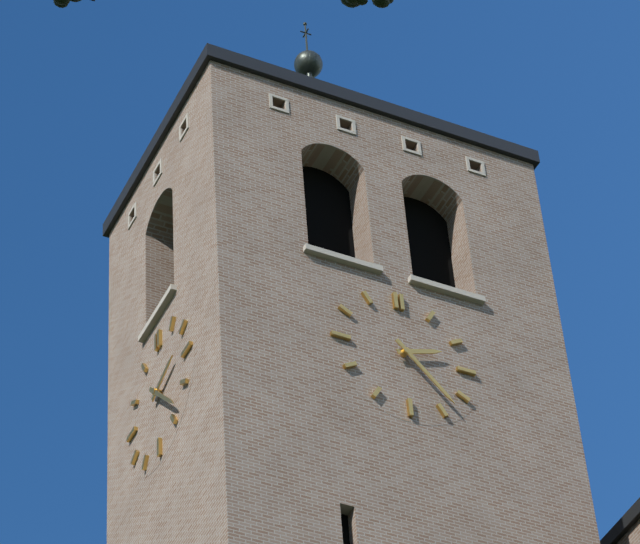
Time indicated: 2:23
